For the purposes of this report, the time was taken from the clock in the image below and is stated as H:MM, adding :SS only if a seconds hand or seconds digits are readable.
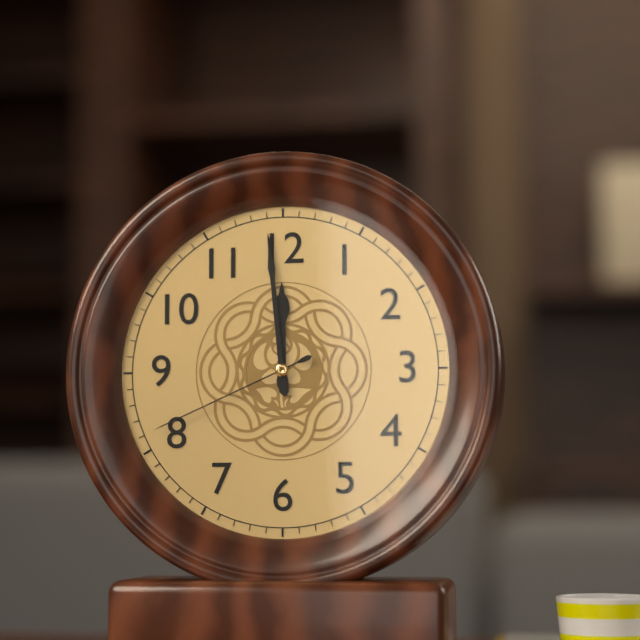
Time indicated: 11:59:41
